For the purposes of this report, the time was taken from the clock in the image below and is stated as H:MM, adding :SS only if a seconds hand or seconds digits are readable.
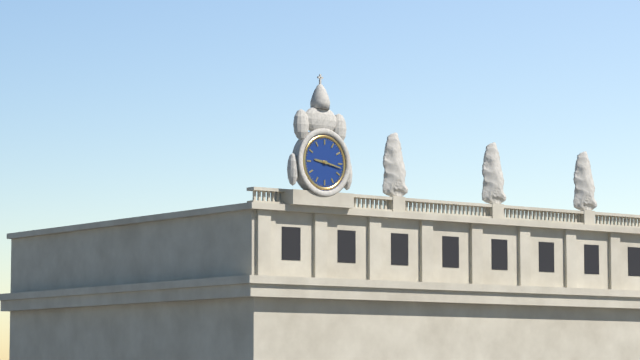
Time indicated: 9:17
